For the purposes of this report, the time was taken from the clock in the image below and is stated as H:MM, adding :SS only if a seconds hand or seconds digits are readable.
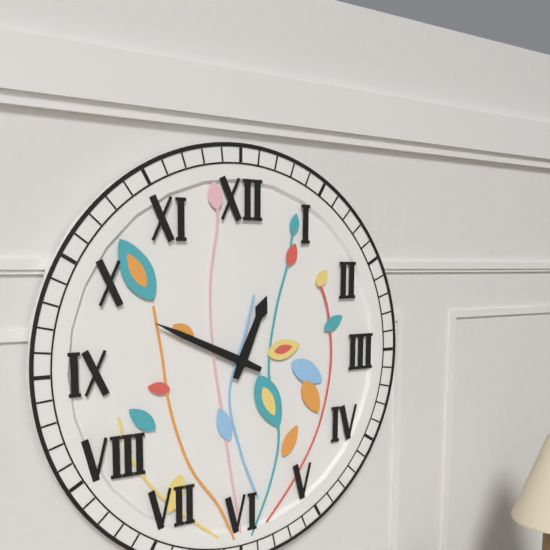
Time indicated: 12:49
